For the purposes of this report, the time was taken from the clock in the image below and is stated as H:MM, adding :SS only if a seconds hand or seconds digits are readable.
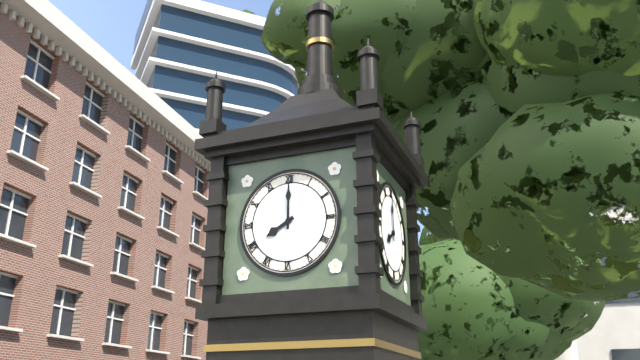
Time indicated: 8:00
